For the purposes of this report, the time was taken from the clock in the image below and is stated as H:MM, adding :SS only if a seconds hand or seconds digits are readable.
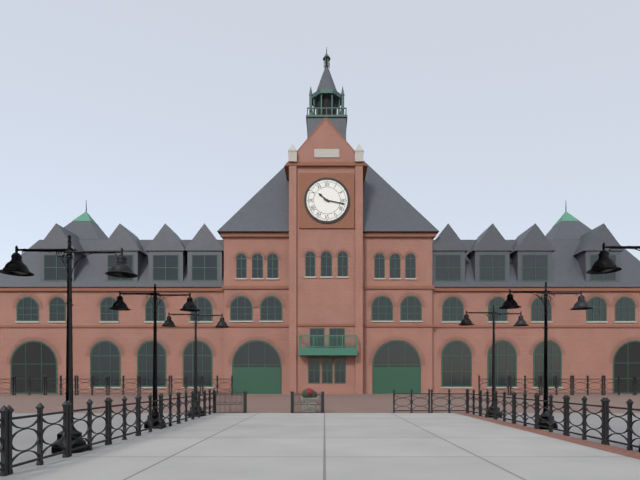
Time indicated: 10:17
